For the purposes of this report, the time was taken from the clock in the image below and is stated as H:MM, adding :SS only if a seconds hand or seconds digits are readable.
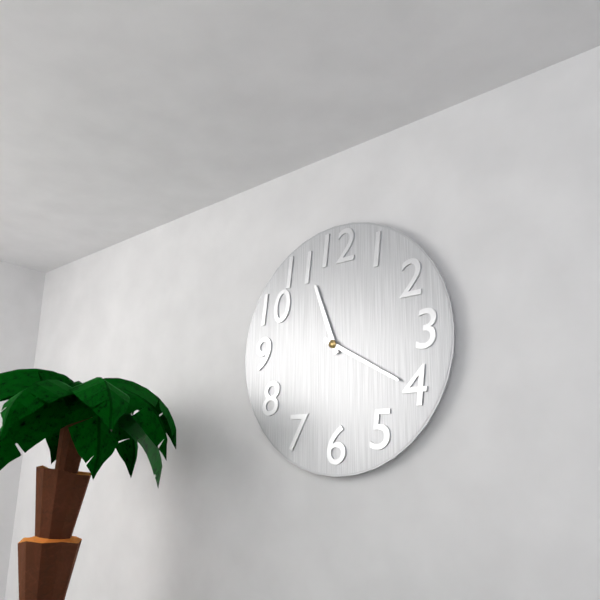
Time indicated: 11:20
